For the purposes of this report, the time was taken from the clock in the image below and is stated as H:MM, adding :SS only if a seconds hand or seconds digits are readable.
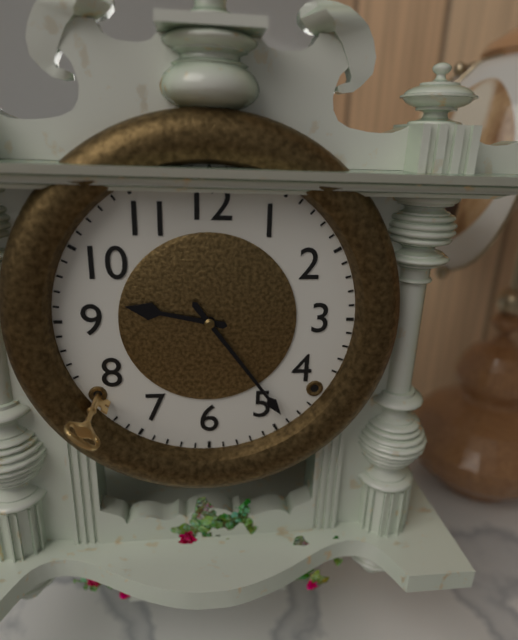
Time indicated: 9:24
